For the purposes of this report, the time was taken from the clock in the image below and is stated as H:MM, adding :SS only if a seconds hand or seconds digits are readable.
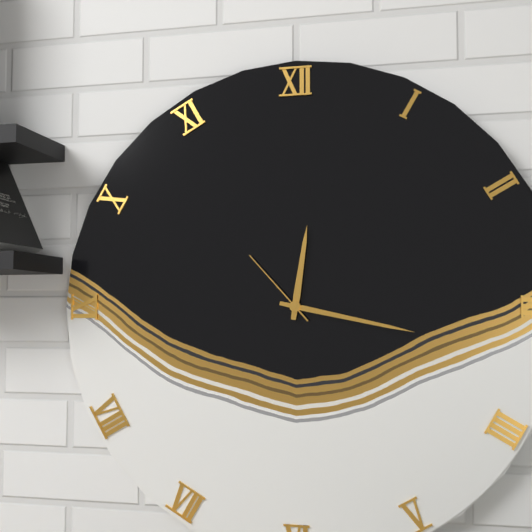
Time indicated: 12:17:53
